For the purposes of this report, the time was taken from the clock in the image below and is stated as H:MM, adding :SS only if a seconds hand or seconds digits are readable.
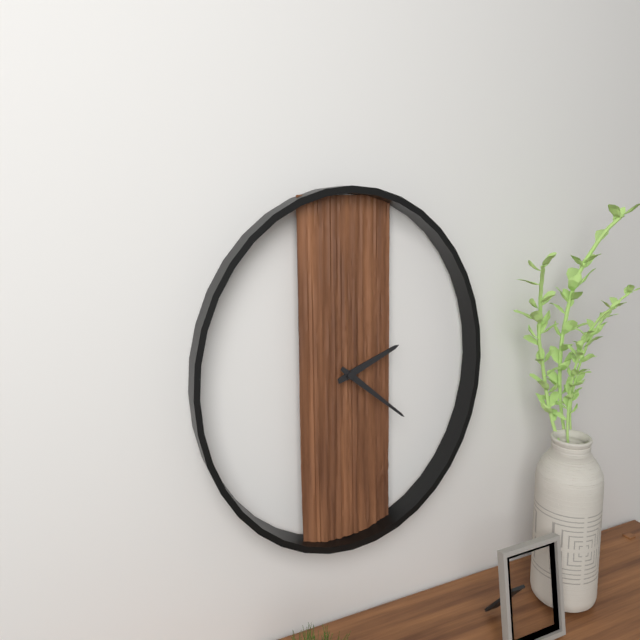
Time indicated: 2:21
